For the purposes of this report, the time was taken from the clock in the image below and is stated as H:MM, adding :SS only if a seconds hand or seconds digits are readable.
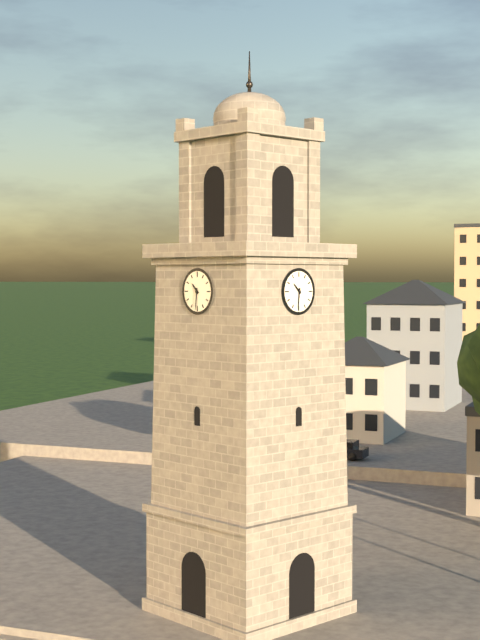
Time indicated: 10:31
